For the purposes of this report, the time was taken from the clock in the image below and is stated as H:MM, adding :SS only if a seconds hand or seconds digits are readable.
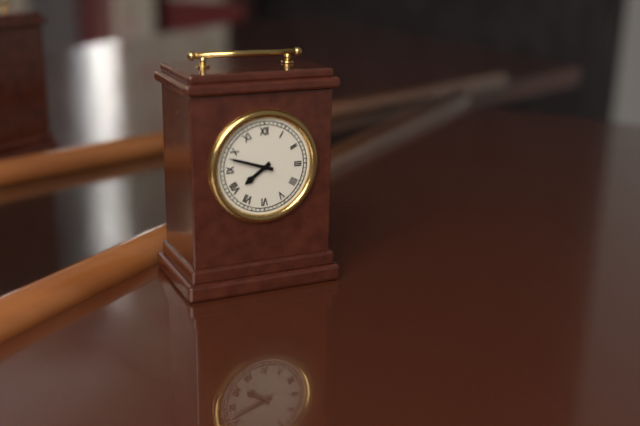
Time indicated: 7:48
